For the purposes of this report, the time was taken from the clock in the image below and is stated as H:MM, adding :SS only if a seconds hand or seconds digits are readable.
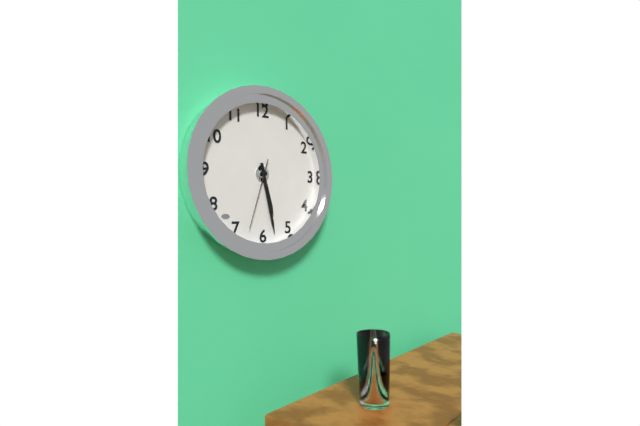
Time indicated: 5:28:33
